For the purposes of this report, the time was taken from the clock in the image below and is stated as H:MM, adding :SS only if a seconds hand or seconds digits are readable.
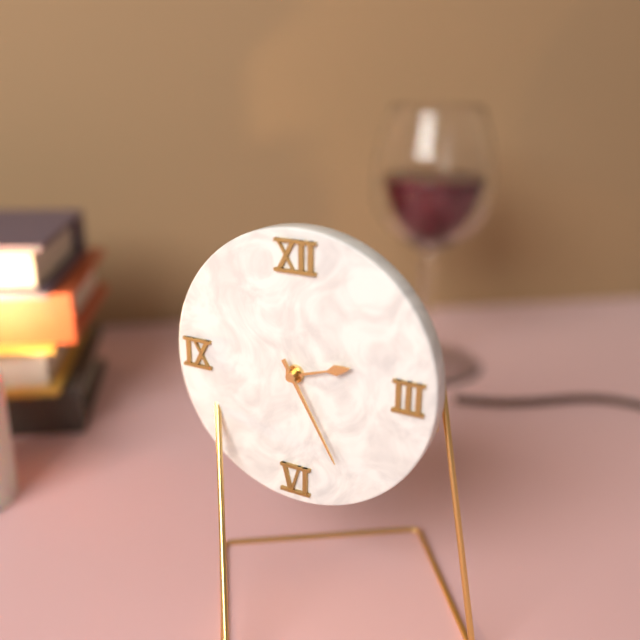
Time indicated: 2:25
